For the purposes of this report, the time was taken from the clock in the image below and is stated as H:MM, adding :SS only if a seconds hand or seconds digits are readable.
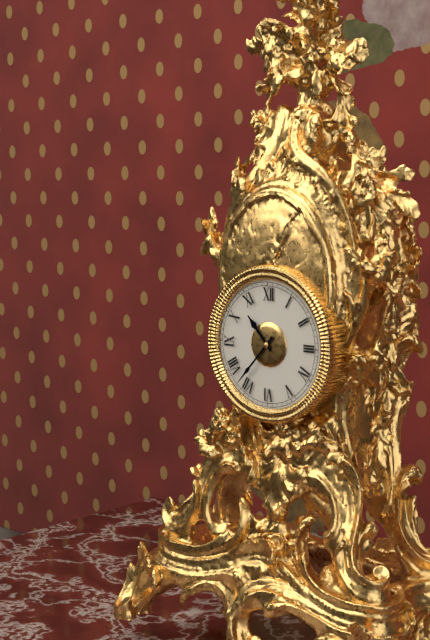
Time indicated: 10:37
